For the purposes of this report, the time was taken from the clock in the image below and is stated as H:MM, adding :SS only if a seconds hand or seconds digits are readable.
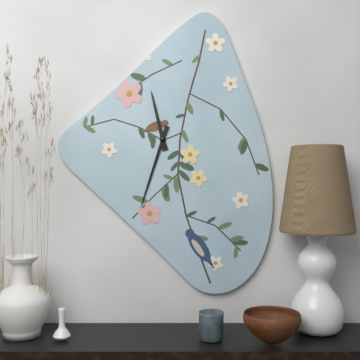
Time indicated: 11:33
